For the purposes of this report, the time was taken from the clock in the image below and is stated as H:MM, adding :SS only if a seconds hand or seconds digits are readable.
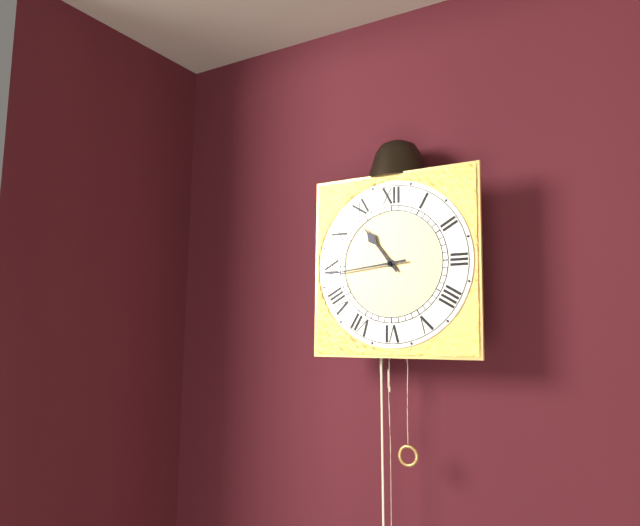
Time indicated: 10:44
